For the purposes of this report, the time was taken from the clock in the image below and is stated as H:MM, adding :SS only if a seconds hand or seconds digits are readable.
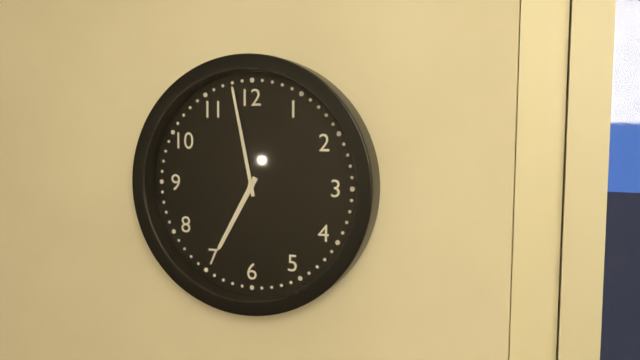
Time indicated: 6:58
